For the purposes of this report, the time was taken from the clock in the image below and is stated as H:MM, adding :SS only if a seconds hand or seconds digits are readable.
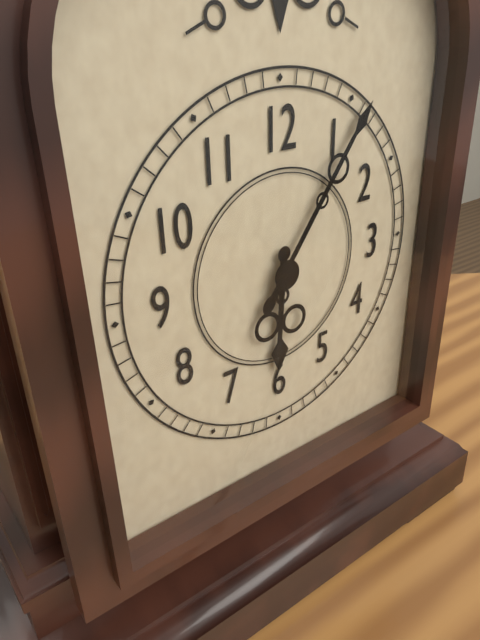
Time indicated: 6:06
